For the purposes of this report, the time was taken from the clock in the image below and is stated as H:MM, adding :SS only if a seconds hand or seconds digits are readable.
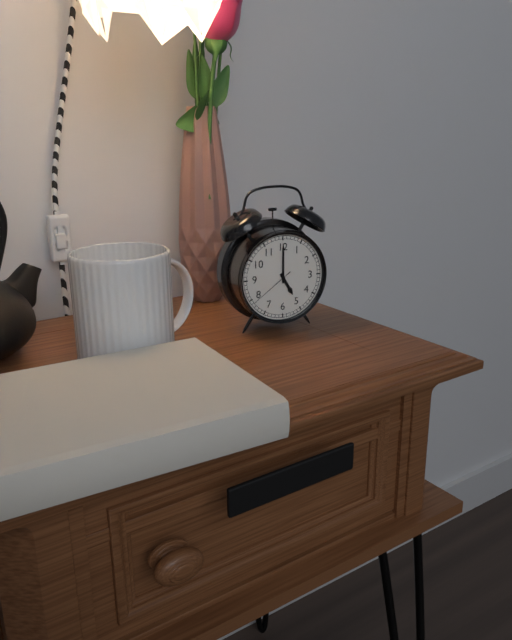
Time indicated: 5:00
